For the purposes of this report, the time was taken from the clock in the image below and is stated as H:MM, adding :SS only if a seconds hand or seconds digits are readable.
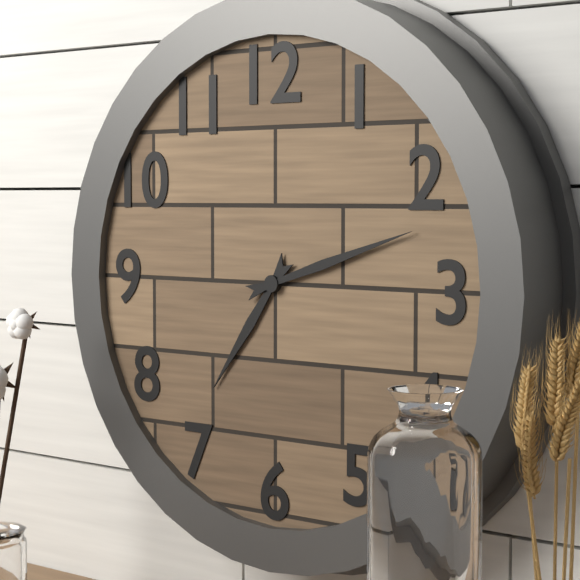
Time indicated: 7:12
